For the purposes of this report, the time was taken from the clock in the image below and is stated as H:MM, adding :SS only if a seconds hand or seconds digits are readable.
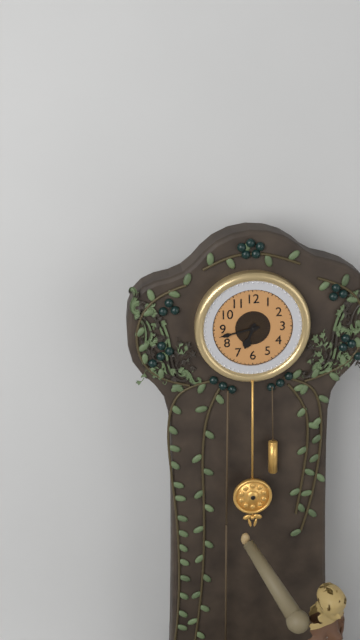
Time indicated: 6:43
